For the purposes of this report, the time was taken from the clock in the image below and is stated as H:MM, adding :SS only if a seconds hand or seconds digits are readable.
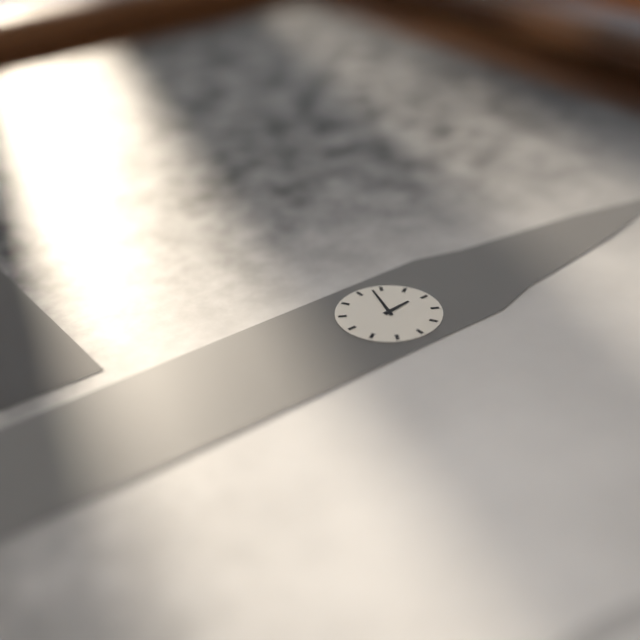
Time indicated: 11:48
